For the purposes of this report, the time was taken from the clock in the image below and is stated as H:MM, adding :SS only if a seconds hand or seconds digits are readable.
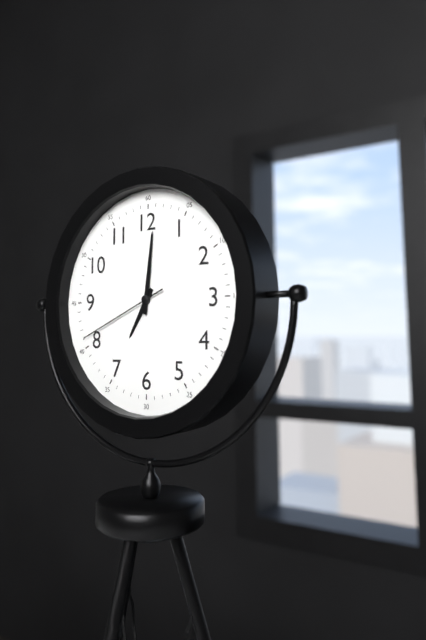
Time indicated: 7:01:41
